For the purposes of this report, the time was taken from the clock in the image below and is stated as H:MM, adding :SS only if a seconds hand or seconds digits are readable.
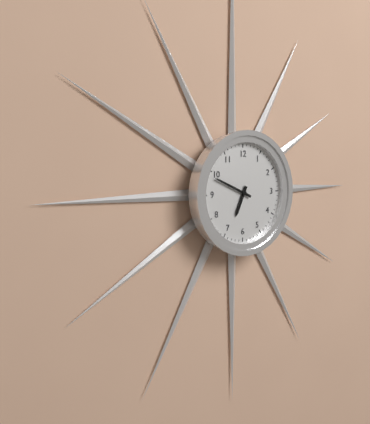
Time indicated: 6:49
